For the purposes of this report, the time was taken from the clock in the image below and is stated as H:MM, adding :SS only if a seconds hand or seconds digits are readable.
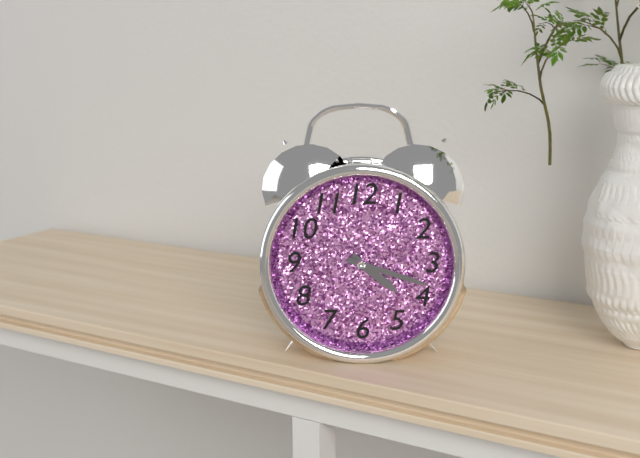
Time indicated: 4:18
